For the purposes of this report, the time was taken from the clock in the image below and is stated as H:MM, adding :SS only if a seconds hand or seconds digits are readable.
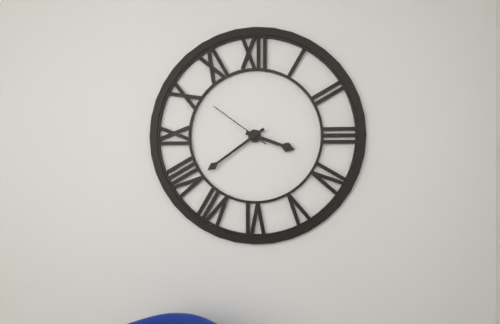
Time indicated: 3:39:51
